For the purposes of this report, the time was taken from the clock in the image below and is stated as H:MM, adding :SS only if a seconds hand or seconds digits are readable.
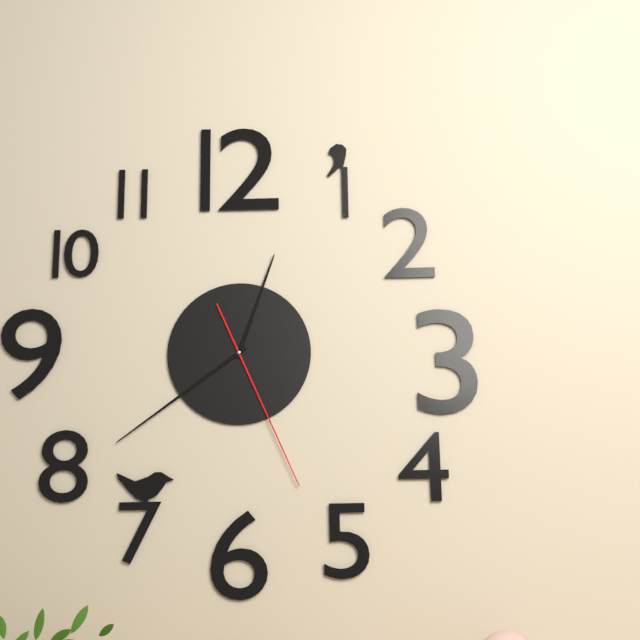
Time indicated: 12:39:26
